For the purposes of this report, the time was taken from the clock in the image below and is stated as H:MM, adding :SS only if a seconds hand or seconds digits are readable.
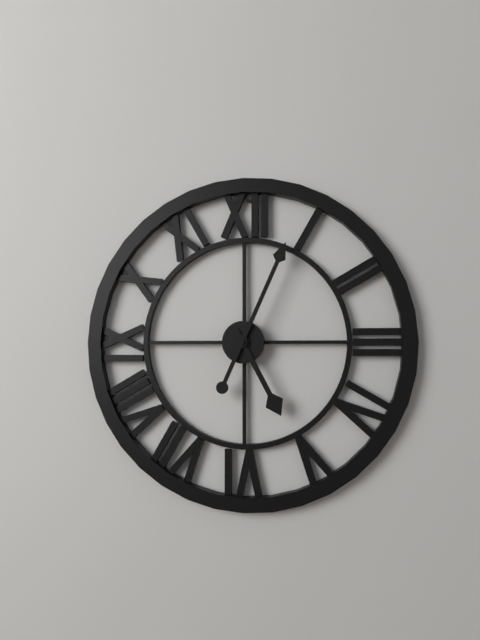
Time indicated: 5:04
